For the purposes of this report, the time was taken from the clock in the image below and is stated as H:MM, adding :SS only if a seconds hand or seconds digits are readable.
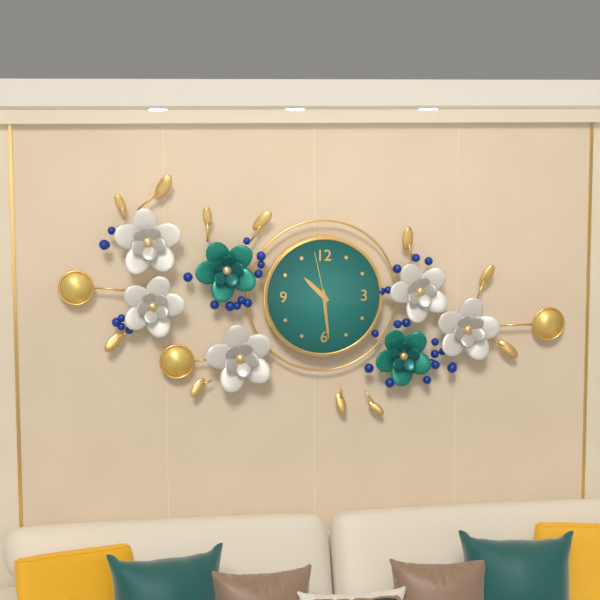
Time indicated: 10:29:58
